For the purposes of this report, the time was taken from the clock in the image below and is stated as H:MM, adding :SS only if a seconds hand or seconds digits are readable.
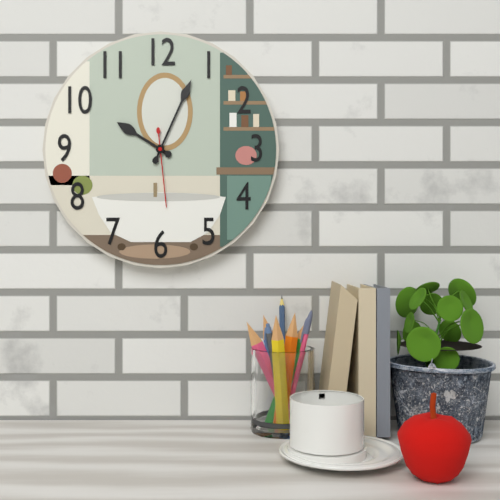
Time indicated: 10:04:29
